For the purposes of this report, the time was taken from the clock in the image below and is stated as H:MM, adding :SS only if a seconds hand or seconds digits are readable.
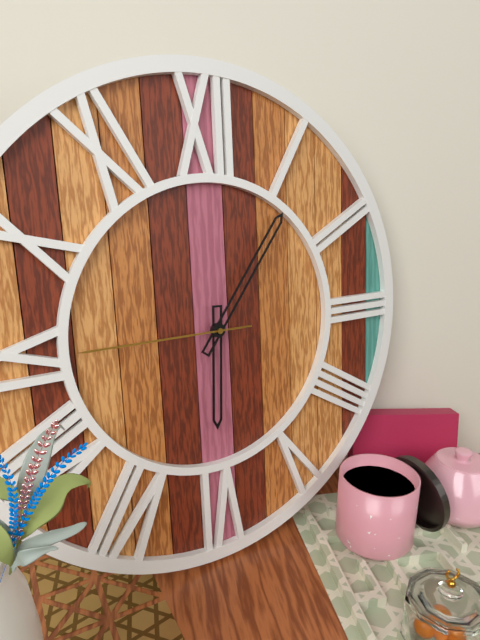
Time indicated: 6:06:45
